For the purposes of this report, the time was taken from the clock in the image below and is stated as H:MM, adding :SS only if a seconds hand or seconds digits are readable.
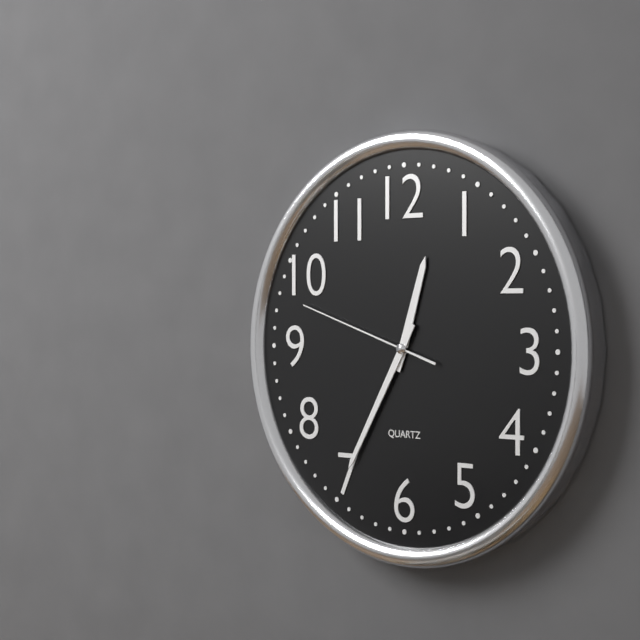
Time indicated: 12:35:48
